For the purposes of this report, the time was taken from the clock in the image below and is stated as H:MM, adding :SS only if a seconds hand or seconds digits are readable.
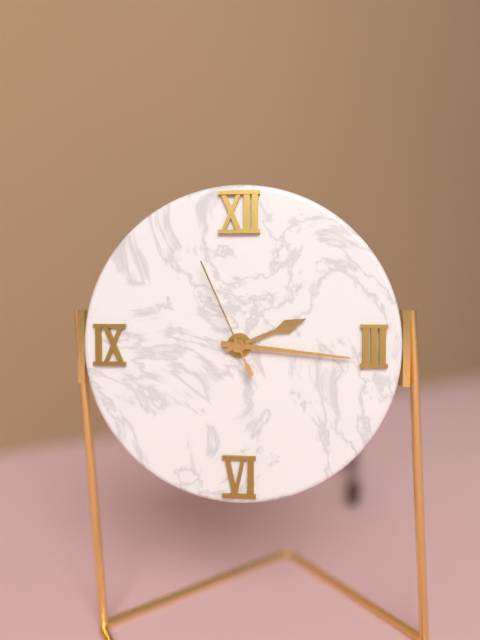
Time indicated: 2:16:56
